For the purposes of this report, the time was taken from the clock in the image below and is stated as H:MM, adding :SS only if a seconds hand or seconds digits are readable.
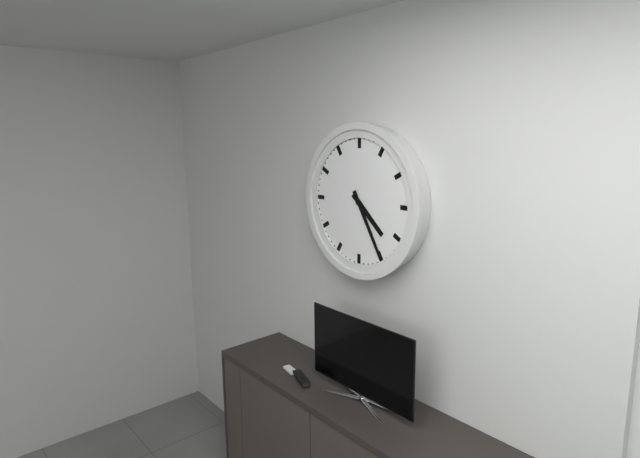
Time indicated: 4:25
